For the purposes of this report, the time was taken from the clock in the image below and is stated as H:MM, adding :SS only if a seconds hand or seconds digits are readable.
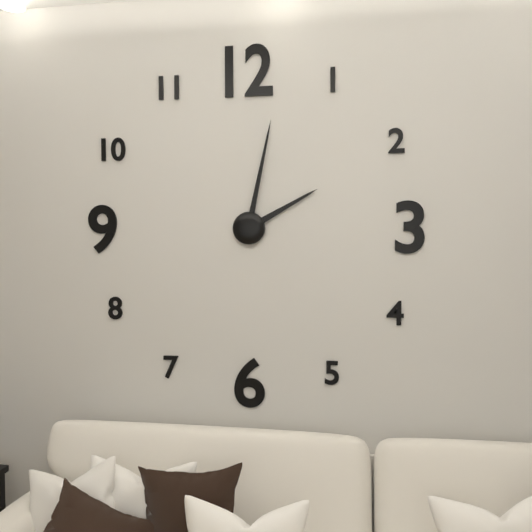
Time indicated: 2:02
